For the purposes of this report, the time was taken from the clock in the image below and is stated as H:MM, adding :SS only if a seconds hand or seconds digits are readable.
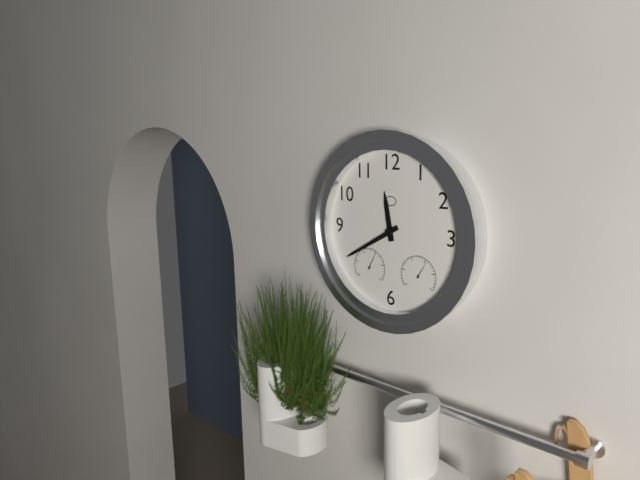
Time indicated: 11:40
